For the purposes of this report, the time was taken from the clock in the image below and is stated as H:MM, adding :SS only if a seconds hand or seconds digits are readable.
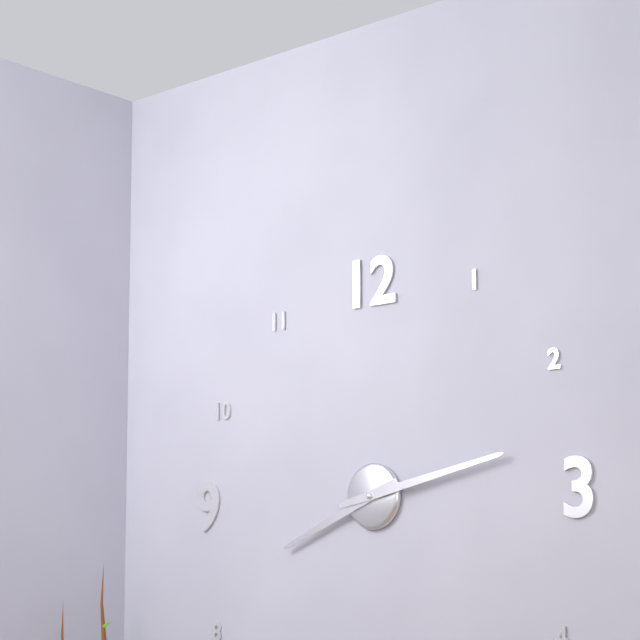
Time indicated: 8:13
